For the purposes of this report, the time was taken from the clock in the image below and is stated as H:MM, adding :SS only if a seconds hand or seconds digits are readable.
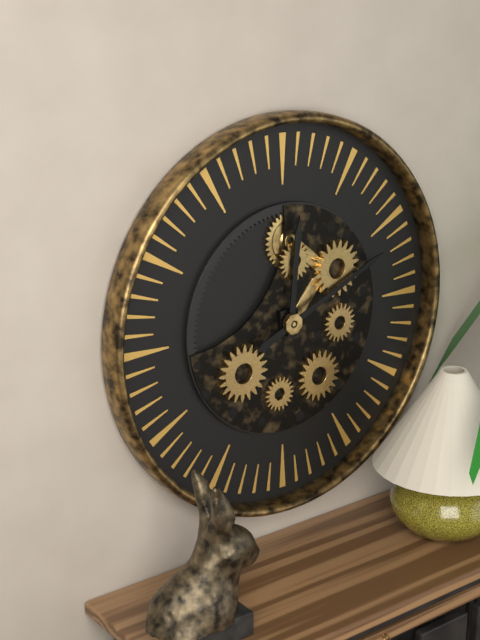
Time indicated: 12:11
